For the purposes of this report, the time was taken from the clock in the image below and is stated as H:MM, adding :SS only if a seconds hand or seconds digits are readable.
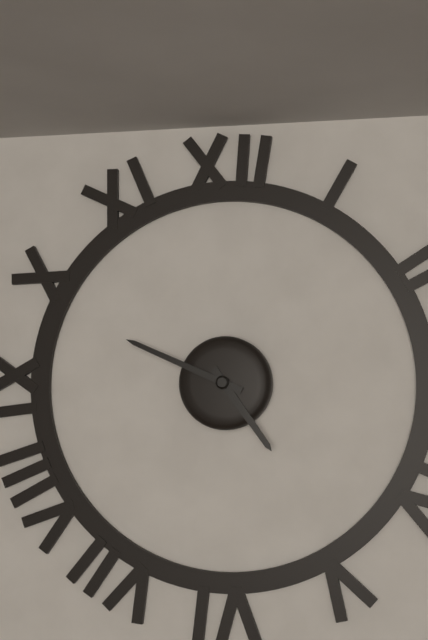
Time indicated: 4:49
